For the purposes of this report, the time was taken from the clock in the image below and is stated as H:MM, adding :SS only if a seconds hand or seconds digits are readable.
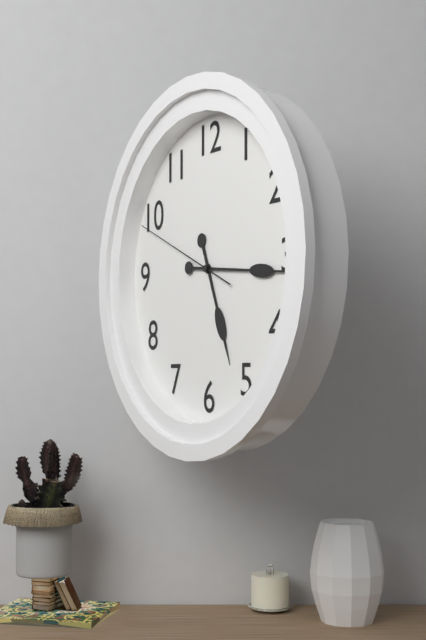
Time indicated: 5:16:49
